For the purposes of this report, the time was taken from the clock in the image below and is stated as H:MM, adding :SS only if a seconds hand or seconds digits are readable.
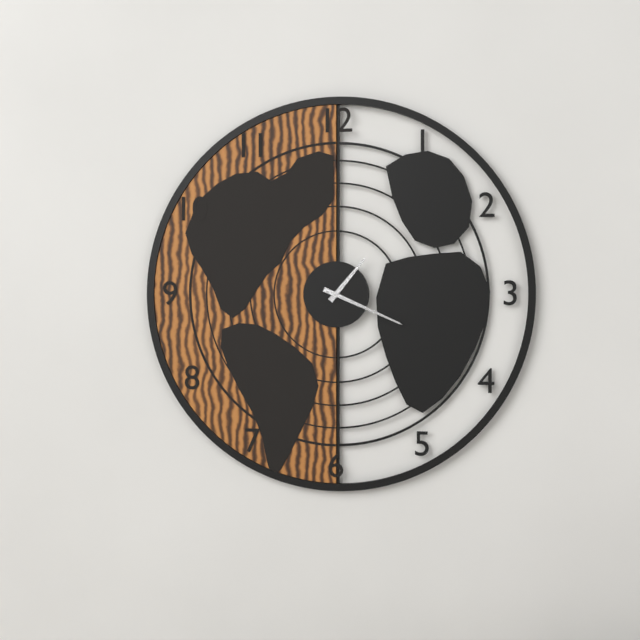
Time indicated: 1:19
